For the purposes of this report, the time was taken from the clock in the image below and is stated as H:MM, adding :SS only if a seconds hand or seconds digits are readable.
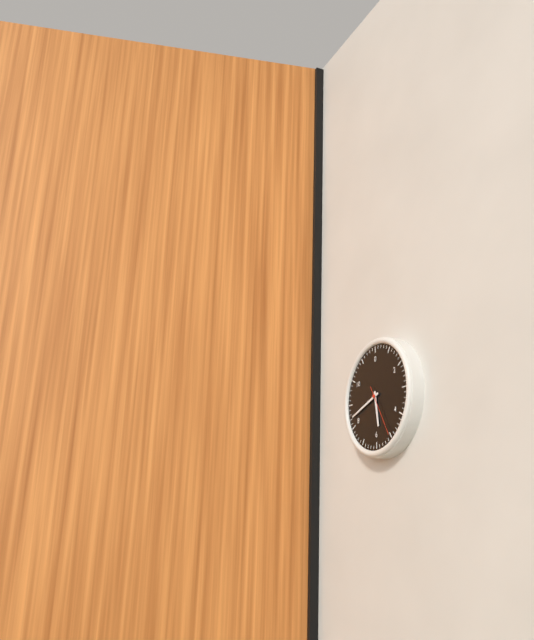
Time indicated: 5:42:25
